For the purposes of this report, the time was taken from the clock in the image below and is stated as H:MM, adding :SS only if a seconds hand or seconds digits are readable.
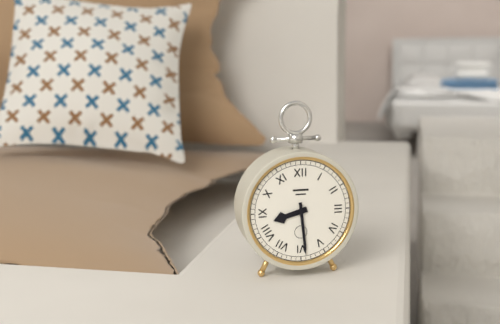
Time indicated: 8:29
